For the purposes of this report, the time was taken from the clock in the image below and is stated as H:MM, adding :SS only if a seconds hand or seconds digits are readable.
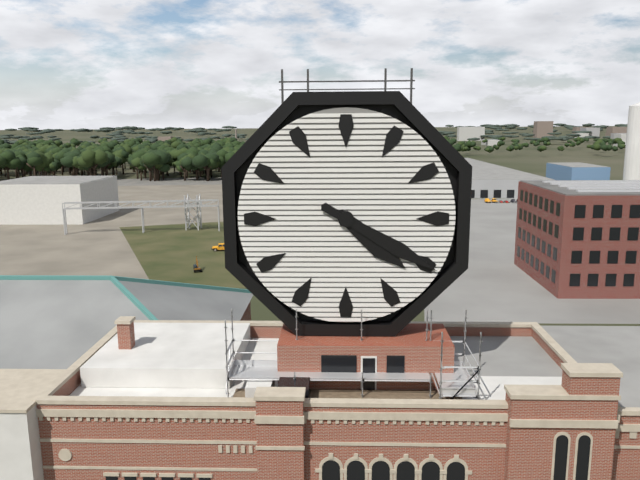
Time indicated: 4:20
